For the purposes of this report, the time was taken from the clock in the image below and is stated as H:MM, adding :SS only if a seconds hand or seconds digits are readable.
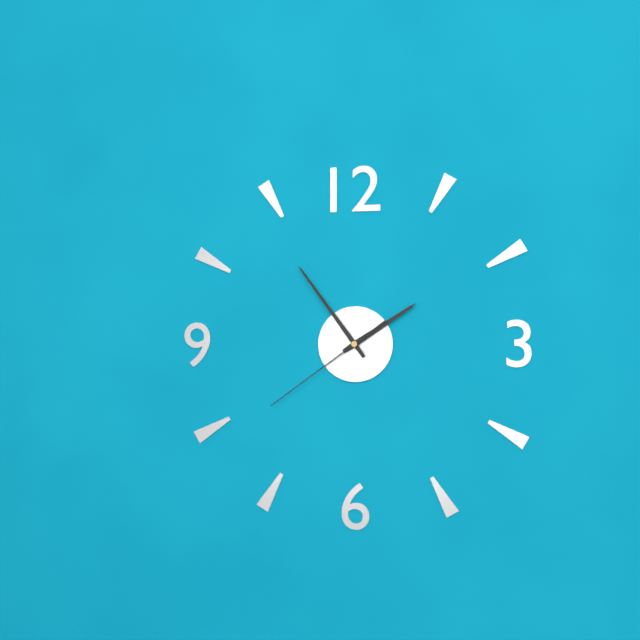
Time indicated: 1:54:39
